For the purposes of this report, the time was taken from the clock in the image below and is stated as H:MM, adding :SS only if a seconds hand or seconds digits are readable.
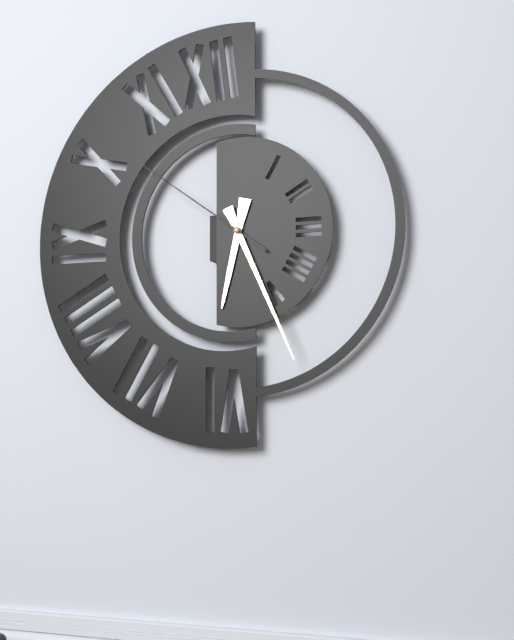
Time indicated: 6:26:51
